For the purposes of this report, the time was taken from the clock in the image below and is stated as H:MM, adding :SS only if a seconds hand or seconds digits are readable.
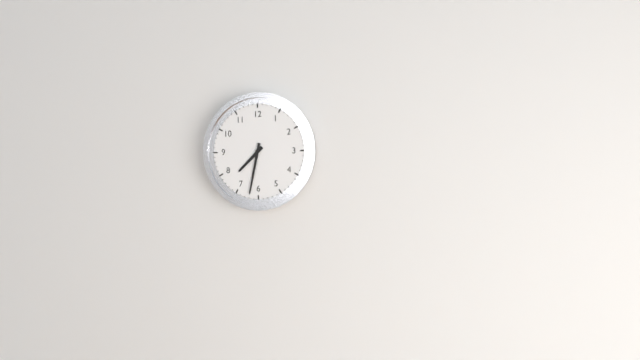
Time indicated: 7:32
